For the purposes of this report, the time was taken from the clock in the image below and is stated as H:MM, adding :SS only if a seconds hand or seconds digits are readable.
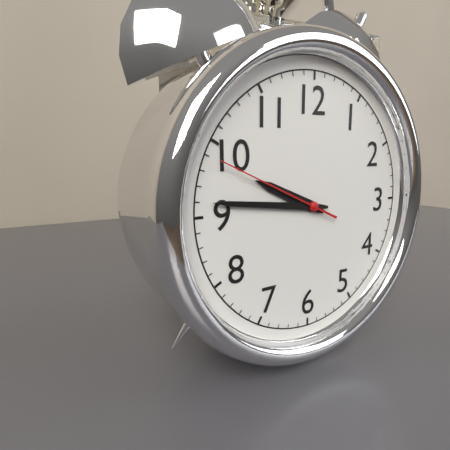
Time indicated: 9:46:49
